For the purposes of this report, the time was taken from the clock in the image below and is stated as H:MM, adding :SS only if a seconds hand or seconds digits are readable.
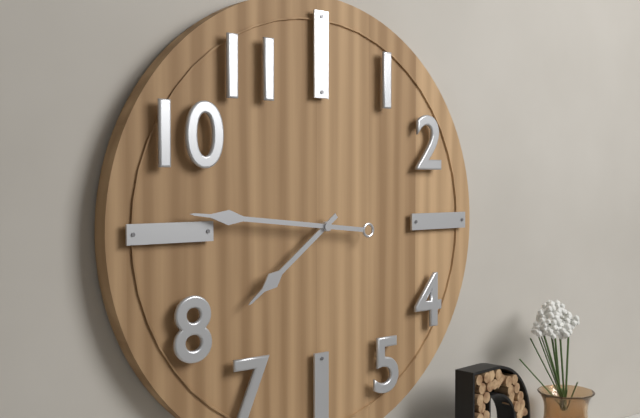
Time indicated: 7:46
